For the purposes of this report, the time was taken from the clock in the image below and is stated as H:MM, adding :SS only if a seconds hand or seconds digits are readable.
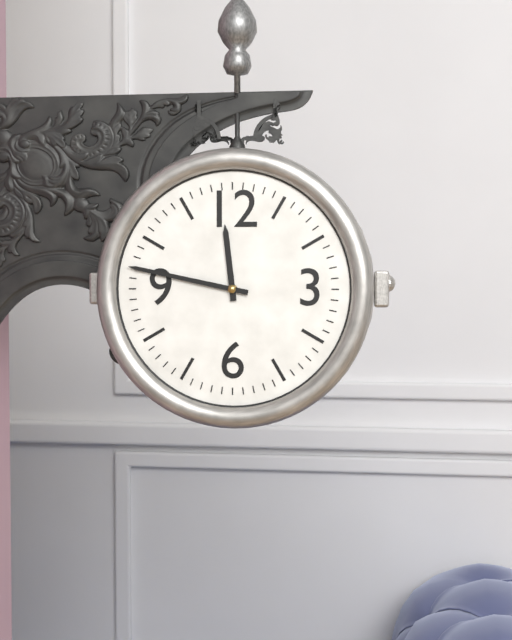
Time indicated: 11:47
